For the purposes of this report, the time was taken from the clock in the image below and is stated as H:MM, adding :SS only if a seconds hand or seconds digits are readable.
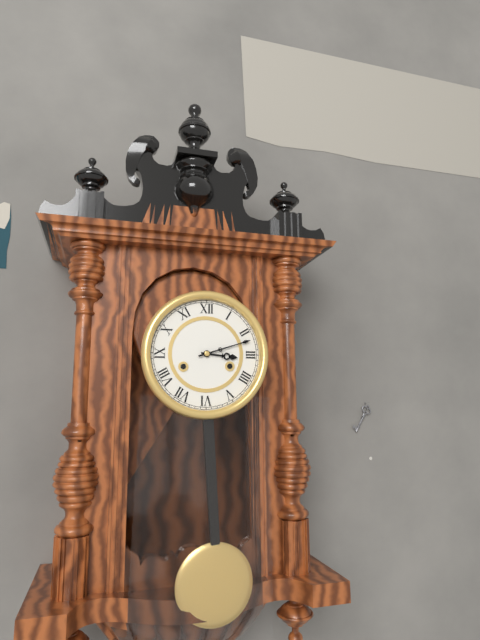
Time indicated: 3:12
